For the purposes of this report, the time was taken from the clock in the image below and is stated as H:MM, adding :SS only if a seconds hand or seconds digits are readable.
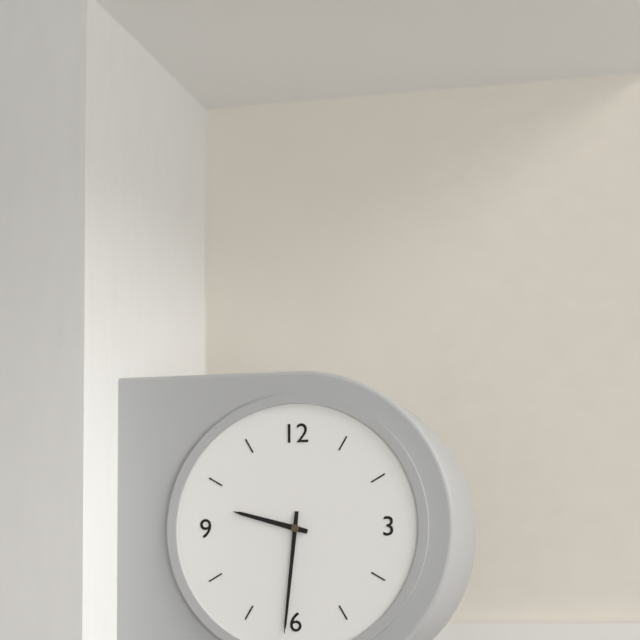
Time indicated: 9:31
